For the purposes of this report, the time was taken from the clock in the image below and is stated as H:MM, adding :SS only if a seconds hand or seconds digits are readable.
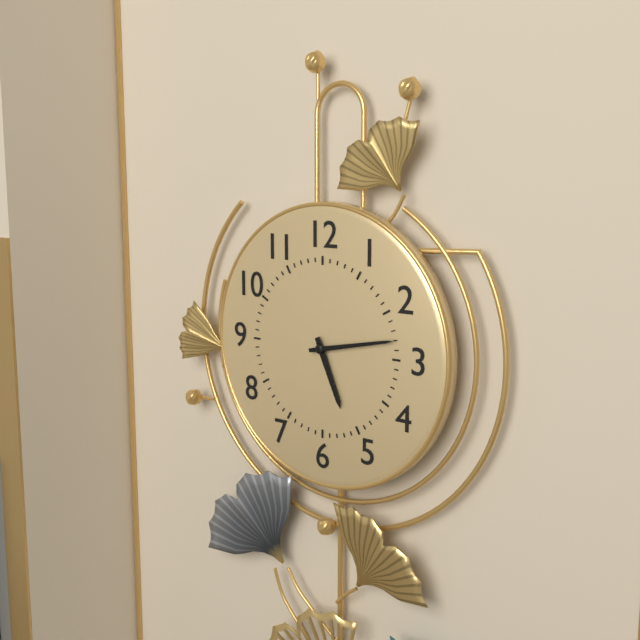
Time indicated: 5:13
